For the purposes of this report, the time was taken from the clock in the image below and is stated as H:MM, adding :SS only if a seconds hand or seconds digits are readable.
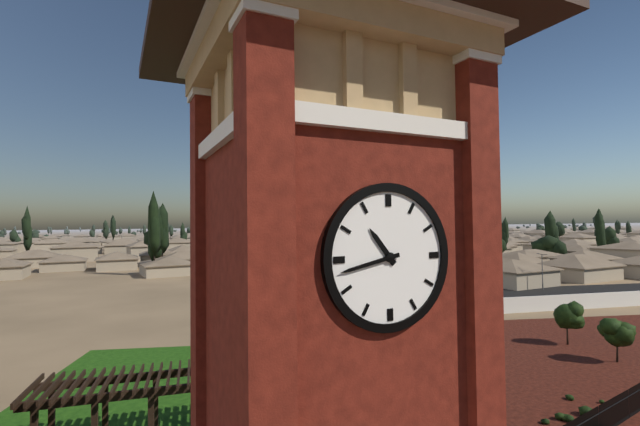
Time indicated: 10:43
